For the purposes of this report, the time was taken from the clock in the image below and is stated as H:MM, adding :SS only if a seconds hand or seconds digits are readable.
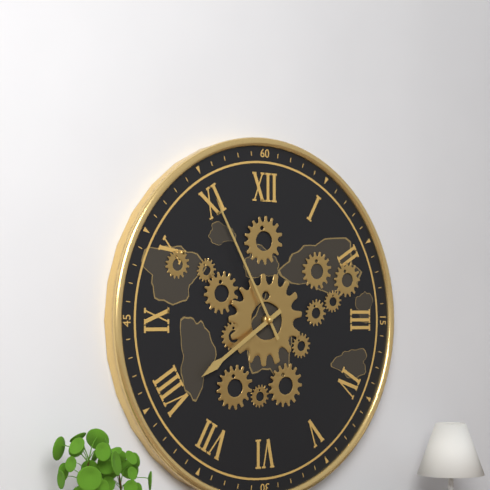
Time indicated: 7:55
